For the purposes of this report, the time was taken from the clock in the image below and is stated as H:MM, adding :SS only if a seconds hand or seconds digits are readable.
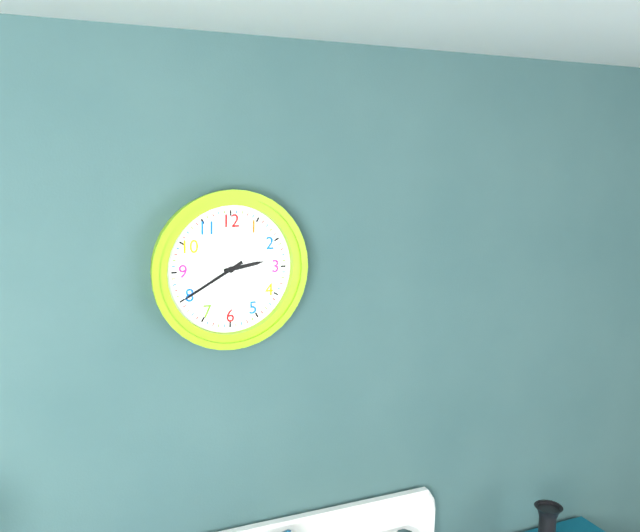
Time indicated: 2:40
